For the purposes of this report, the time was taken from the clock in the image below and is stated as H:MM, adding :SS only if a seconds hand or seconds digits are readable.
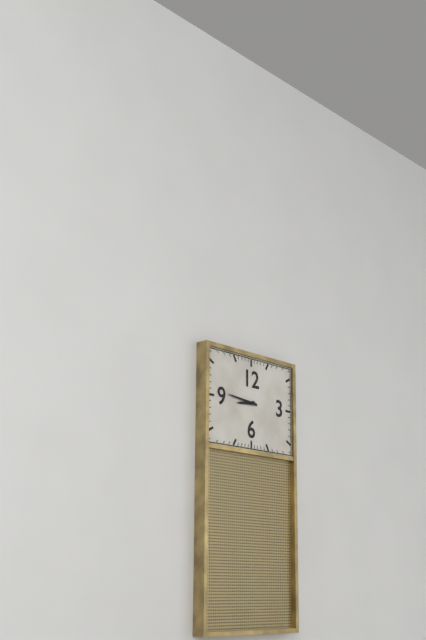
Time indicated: 8:46
